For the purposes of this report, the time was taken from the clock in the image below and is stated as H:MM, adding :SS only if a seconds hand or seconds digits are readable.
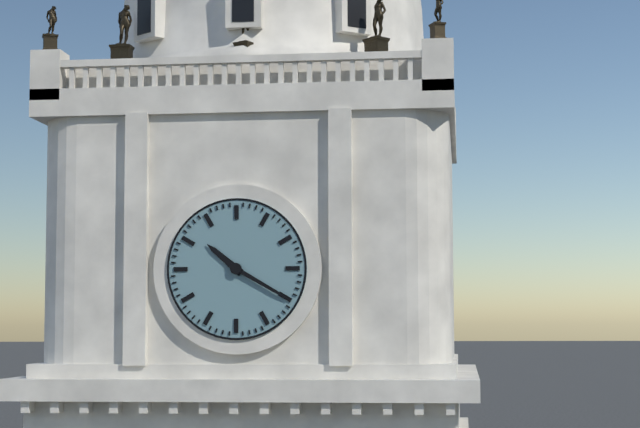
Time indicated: 10:20
